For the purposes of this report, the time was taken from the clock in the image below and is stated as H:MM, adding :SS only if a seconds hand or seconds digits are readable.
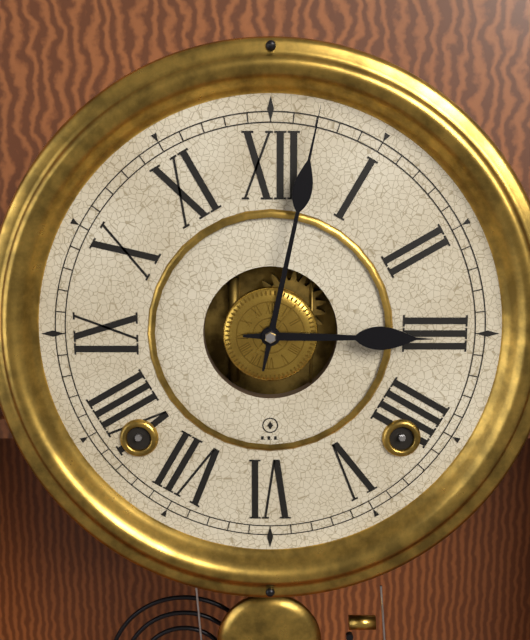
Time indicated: 3:02
